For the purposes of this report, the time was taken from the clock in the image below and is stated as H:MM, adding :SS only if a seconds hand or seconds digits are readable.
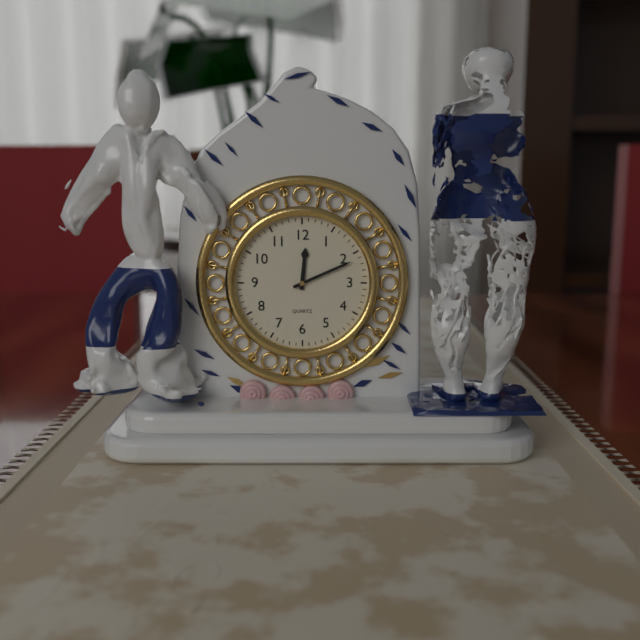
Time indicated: 12:11
